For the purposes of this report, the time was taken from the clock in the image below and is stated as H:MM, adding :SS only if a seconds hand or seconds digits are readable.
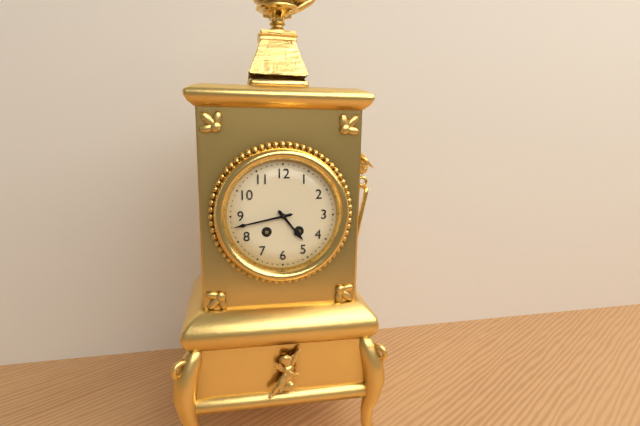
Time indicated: 4:43
